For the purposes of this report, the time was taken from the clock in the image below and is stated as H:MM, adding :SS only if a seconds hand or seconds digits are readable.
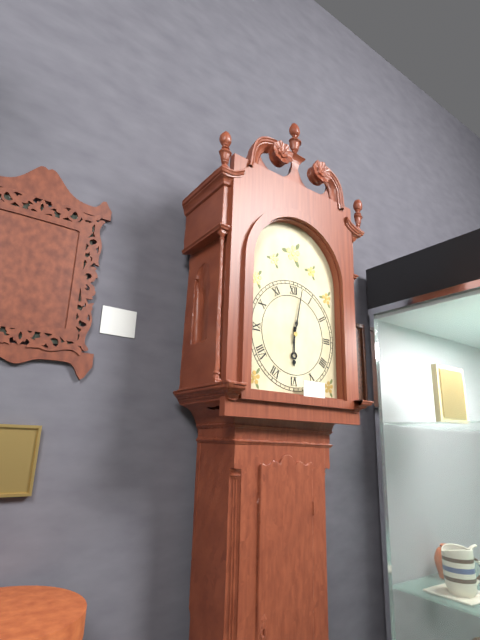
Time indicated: 6:02
